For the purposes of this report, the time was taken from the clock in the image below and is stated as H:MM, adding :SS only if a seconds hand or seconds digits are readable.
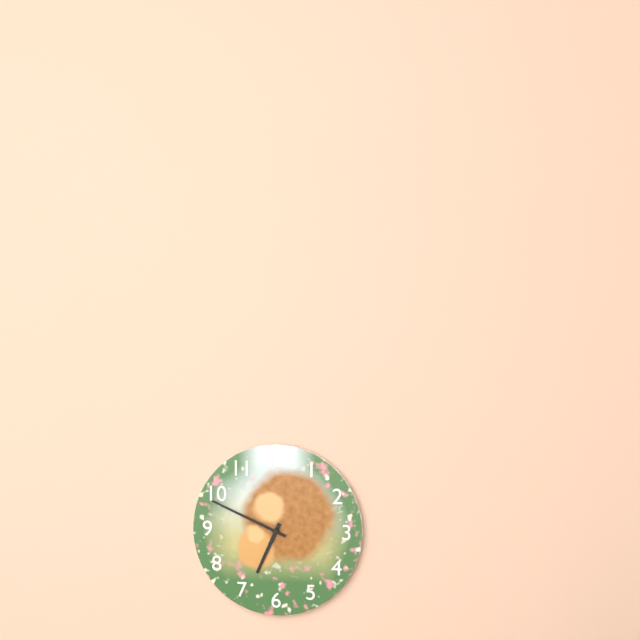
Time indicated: 6:49
